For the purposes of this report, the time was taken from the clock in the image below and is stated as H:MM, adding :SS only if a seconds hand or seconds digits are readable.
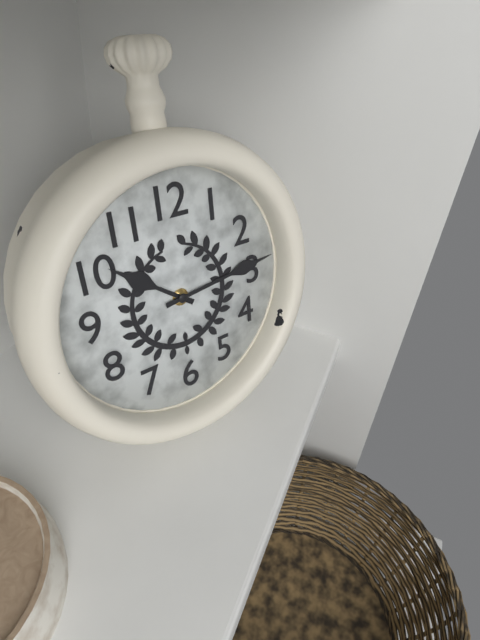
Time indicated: 10:14
